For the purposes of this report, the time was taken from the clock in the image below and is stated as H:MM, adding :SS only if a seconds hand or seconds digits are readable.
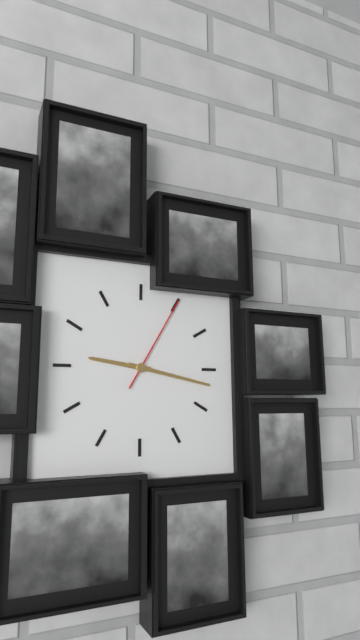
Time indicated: 9:17:05
